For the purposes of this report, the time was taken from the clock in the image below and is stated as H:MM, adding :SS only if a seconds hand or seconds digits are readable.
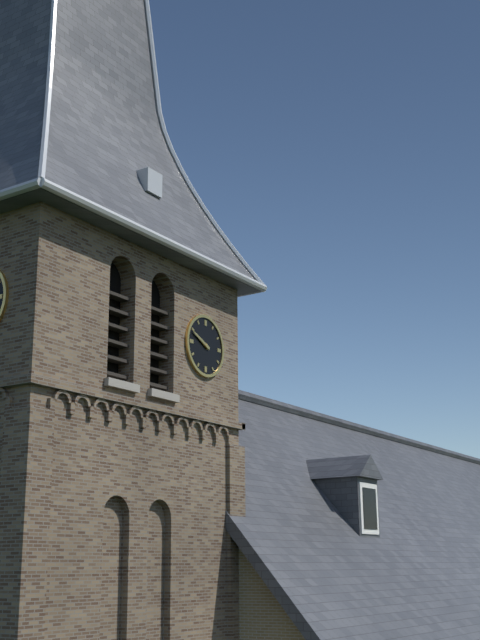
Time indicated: 9:49
